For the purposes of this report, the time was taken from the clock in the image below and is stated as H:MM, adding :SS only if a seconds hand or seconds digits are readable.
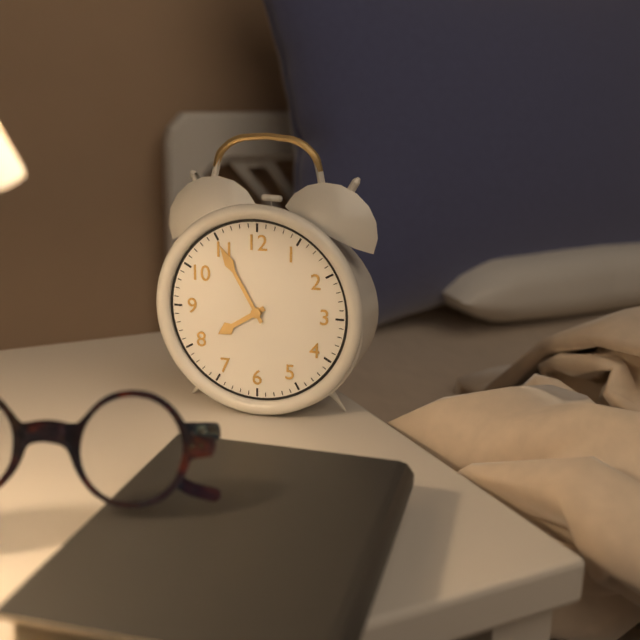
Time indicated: 7:55
